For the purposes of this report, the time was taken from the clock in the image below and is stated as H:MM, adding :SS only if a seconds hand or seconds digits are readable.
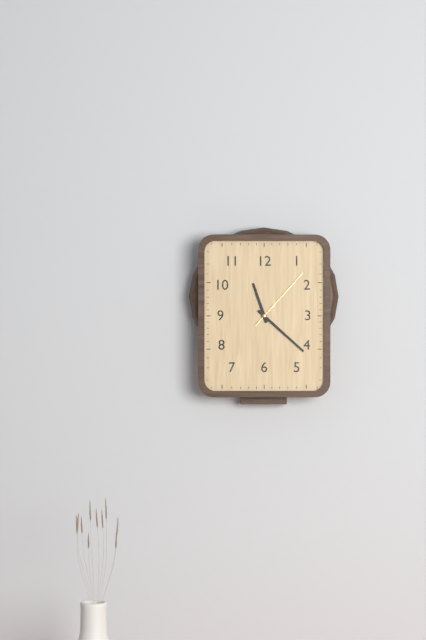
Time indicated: 11:22:07
